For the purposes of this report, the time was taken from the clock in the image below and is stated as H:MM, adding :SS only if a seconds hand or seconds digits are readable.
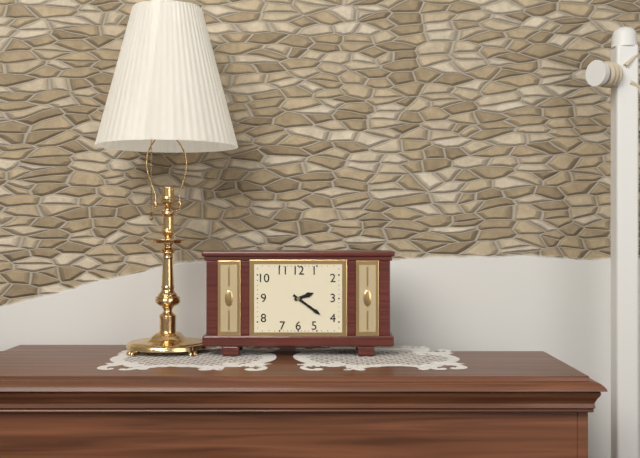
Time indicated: 2:21
